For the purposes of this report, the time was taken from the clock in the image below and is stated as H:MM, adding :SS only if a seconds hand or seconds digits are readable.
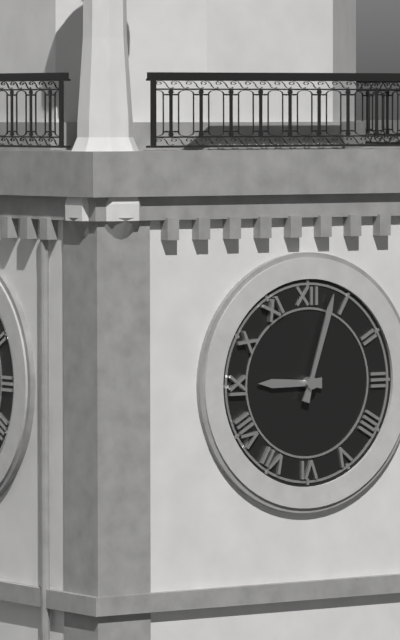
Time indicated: 9:03
